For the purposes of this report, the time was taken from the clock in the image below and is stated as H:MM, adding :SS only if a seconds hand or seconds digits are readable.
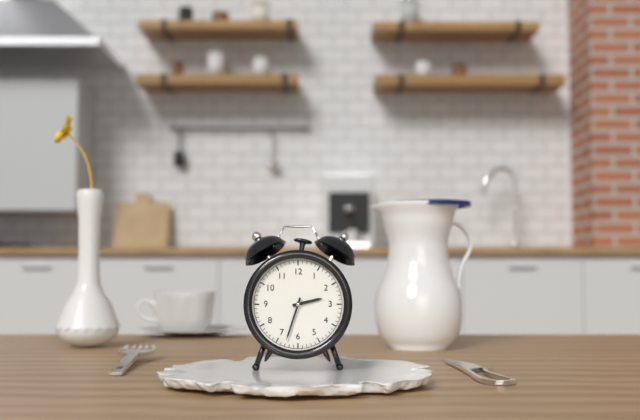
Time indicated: 2:33
